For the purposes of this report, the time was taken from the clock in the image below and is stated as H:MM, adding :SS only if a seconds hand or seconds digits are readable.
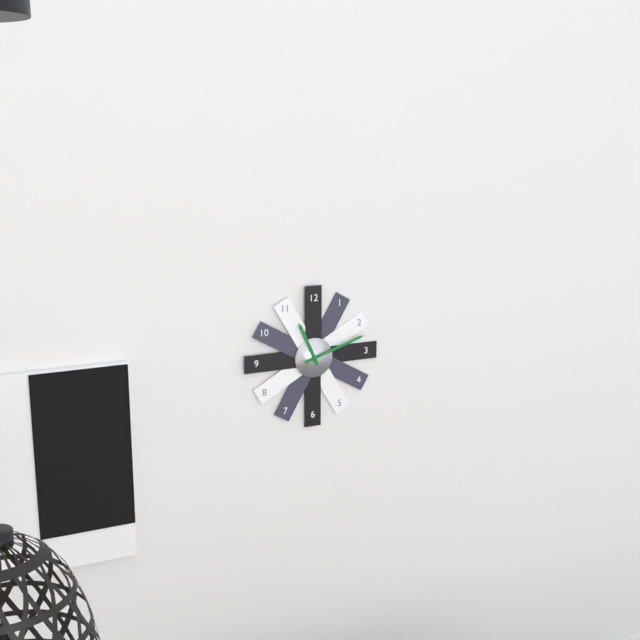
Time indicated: 11:12
